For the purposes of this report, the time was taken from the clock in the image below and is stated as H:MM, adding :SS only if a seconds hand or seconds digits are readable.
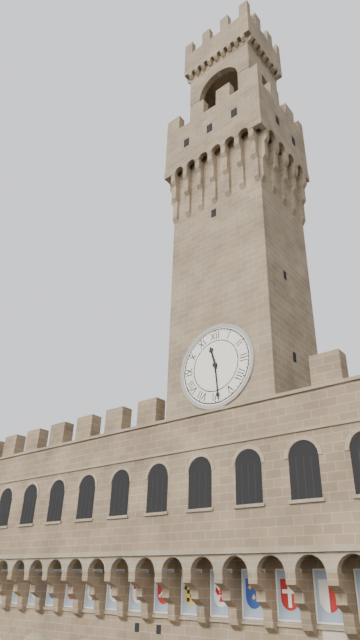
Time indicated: 11:29
